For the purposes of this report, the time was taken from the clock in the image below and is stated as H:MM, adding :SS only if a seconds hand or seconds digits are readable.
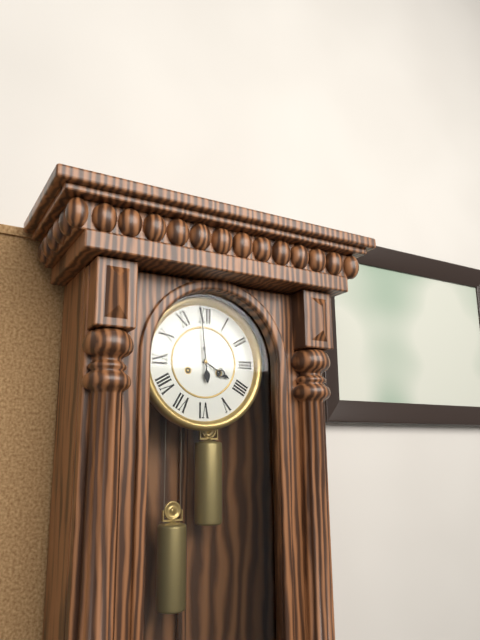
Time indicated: 3:59
